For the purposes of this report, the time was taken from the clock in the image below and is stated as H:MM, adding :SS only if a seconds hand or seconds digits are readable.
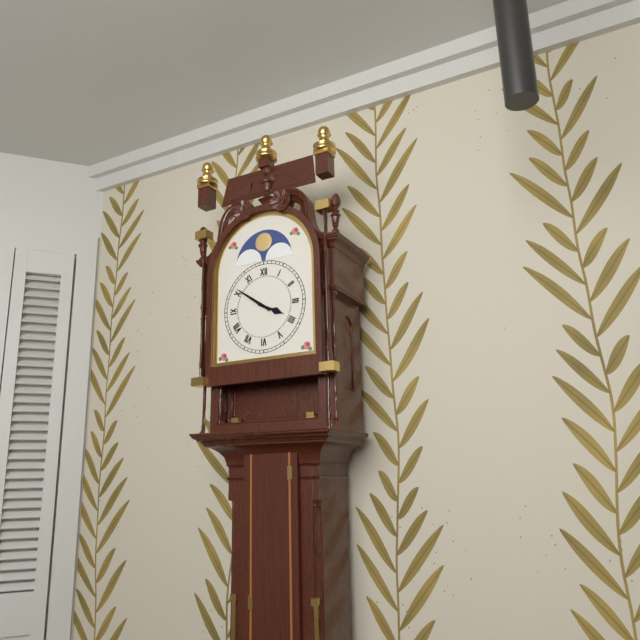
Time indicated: 3:51
